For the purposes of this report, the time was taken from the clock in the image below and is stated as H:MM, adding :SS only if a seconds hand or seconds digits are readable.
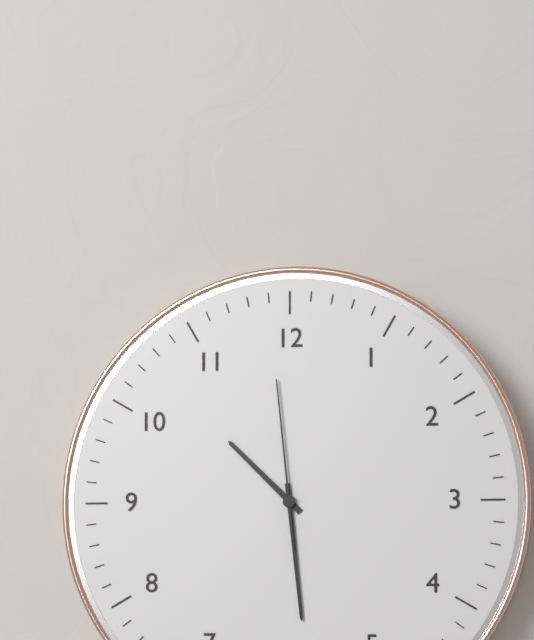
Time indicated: 10:29:59
